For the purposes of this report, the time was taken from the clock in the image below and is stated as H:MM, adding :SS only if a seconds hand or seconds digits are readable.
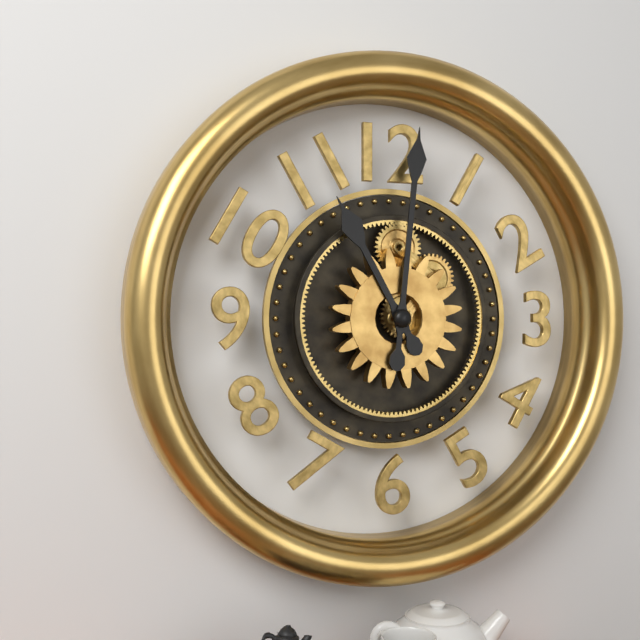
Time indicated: 11:01
